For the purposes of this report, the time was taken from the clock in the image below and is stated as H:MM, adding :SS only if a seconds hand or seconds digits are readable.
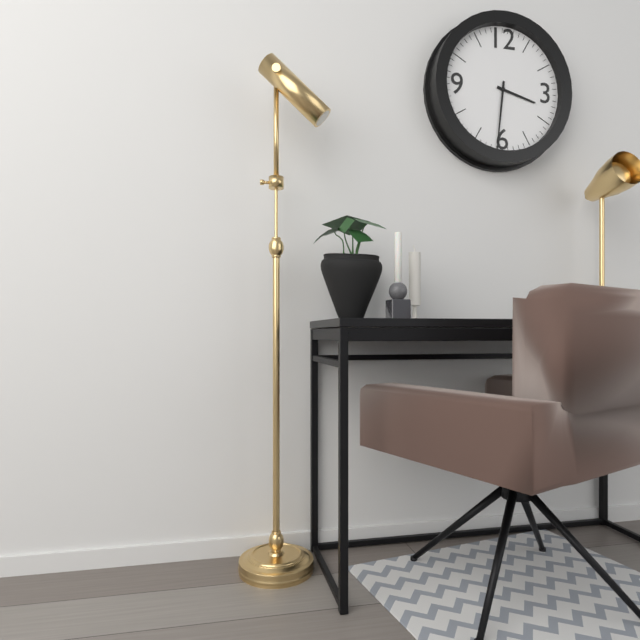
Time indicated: 3:31
